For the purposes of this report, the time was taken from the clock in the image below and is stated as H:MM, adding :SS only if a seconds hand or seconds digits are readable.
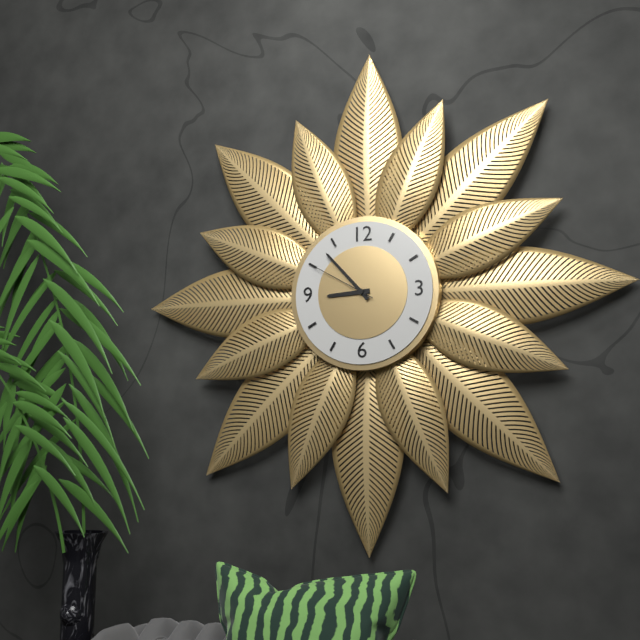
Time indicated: 8:53:50
